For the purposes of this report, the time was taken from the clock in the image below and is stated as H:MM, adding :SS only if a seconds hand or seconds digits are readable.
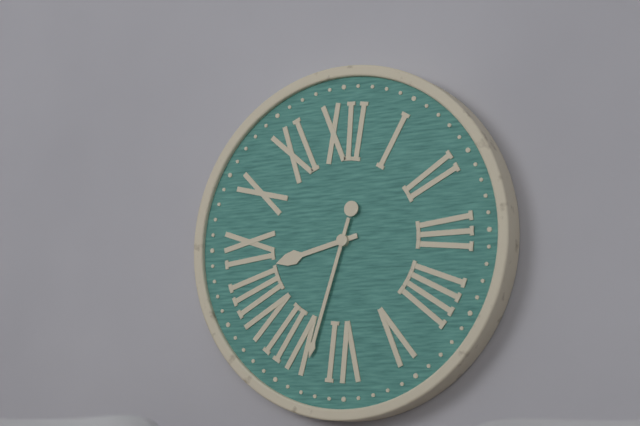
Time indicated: 8:33
